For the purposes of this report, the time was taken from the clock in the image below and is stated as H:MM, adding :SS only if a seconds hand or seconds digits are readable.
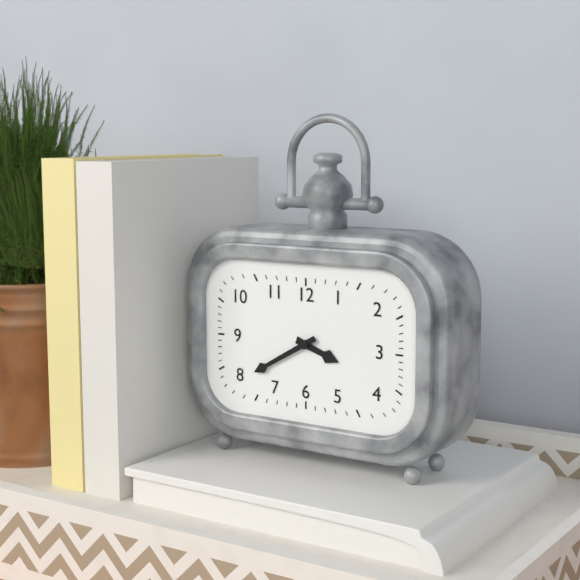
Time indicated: 3:40
